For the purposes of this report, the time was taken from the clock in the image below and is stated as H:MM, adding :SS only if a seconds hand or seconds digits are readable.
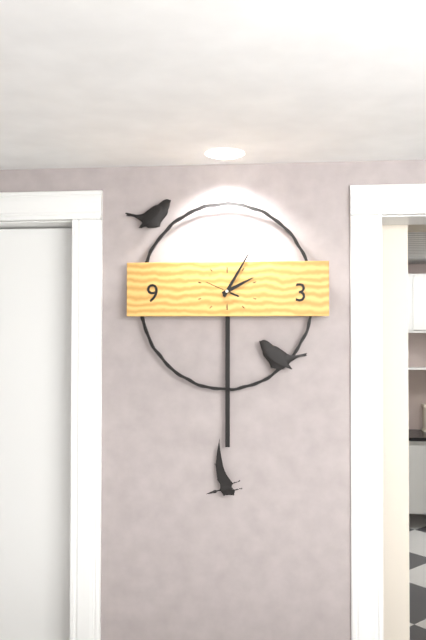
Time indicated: 2:05
